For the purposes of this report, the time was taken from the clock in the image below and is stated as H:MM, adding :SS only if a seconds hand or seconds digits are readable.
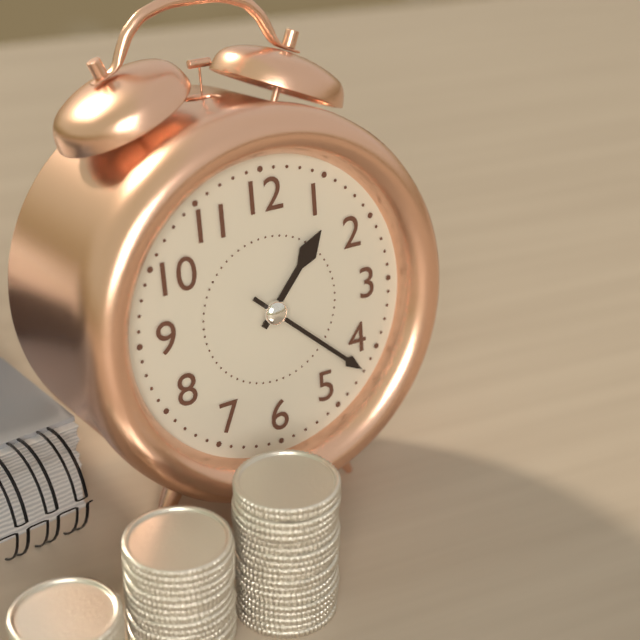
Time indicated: 1:22
